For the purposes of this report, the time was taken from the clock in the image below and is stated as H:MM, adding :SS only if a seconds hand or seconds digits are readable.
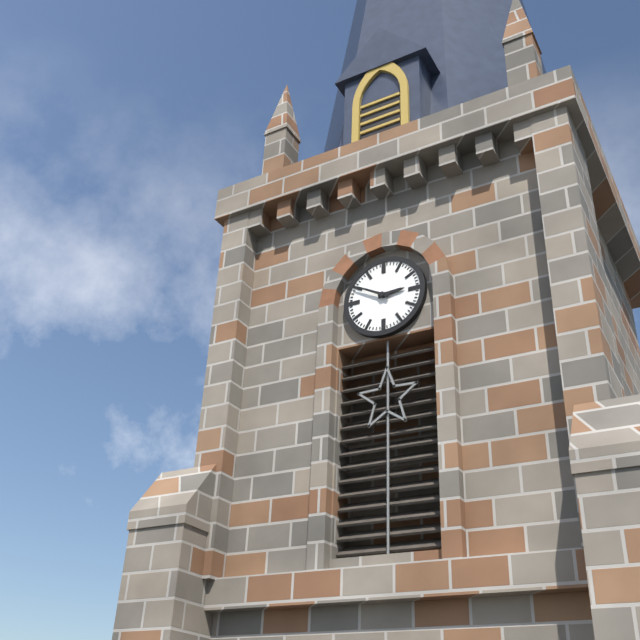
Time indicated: 2:50
